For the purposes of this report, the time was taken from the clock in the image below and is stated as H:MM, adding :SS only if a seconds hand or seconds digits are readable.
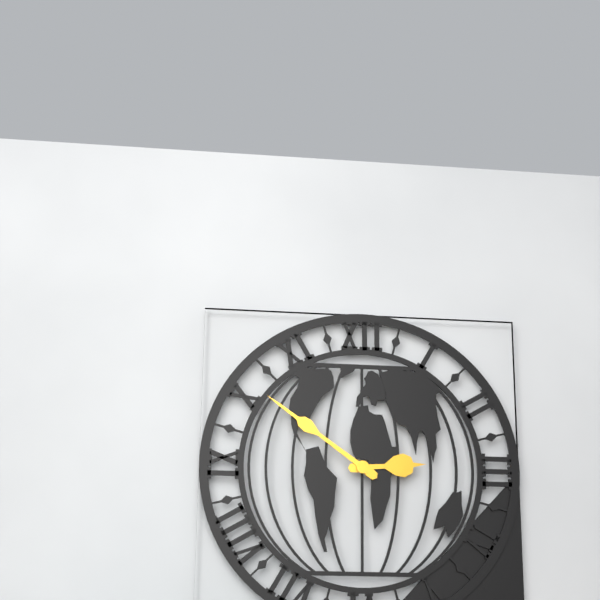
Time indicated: 2:51
